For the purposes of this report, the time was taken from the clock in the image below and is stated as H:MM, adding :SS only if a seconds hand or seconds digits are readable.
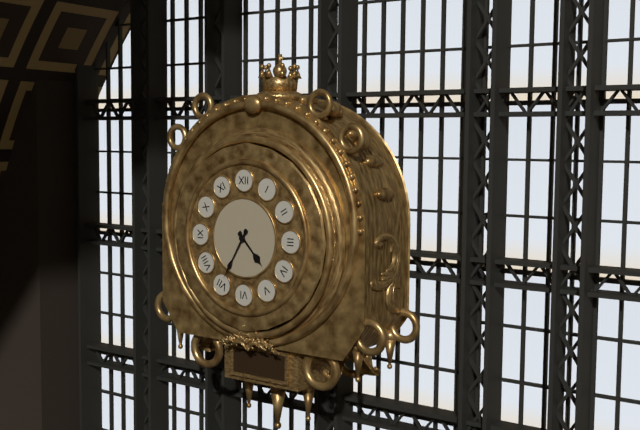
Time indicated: 4:35
